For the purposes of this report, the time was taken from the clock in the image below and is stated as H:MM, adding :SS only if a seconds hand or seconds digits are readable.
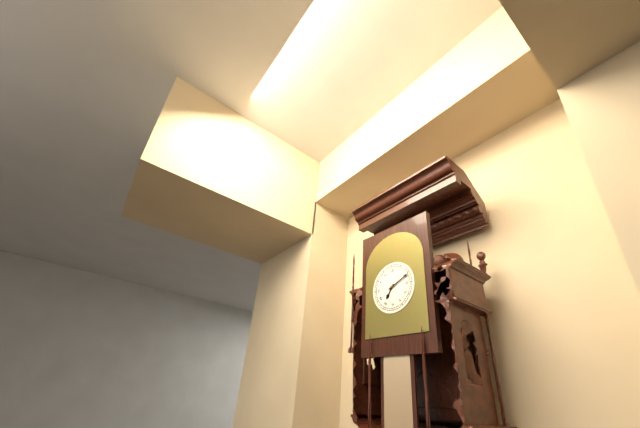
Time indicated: 7:11
